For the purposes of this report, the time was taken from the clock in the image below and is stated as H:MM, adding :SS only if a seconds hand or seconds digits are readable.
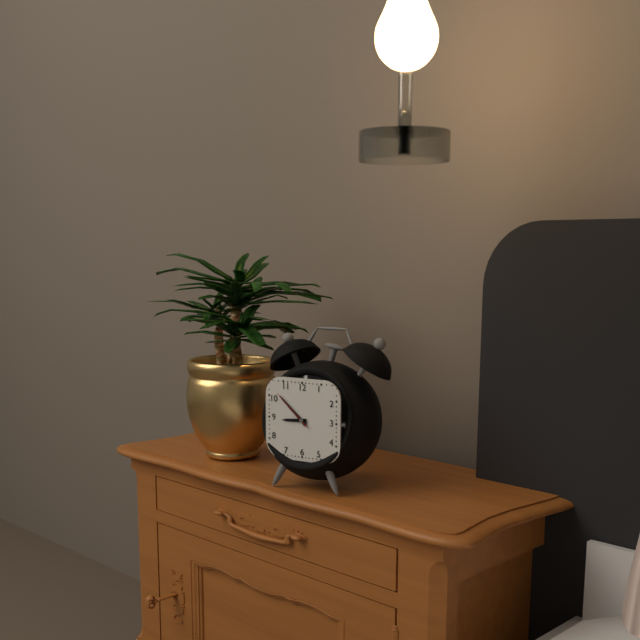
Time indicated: 8:52
